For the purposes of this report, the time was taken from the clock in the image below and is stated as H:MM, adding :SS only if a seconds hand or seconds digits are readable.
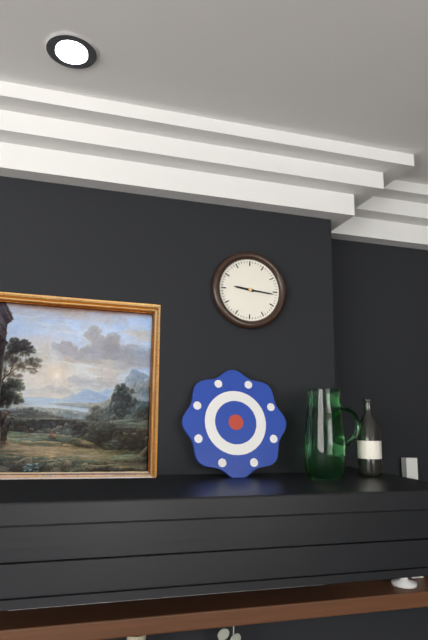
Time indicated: 9:16
